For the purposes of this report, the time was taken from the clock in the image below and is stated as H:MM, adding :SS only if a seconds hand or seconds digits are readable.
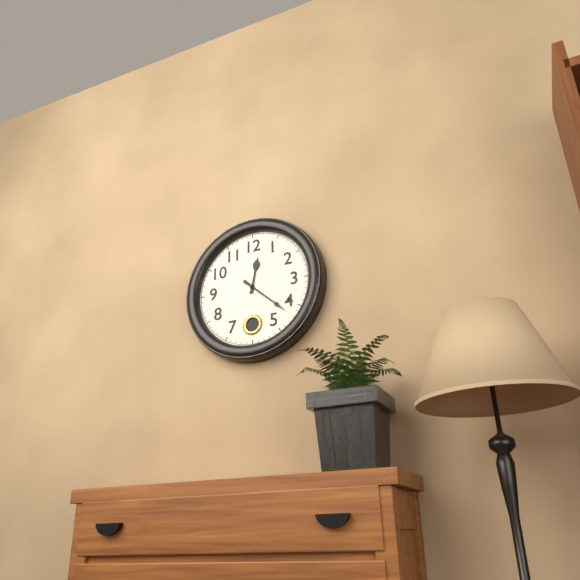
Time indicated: 12:22
